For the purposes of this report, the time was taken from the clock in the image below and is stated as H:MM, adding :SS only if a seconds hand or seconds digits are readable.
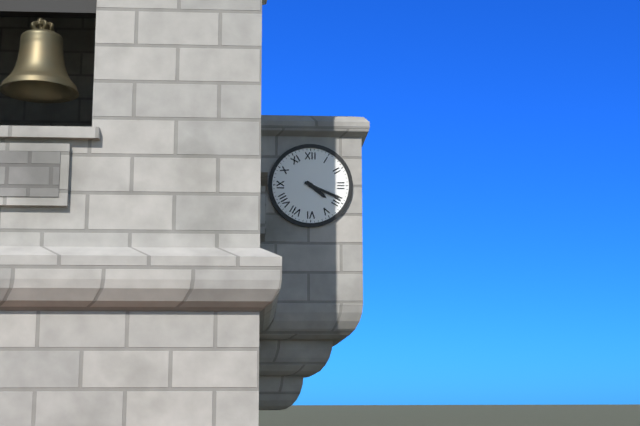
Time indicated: 4:19
